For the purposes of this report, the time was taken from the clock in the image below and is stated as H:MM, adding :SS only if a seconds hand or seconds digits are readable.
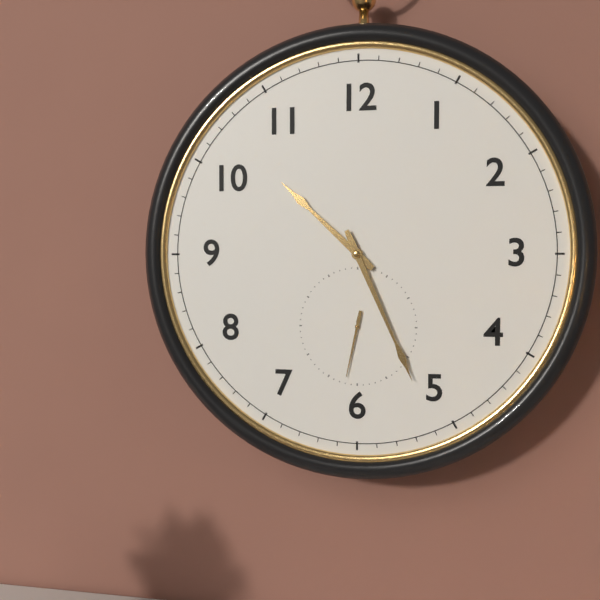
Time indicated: 10:26:32
